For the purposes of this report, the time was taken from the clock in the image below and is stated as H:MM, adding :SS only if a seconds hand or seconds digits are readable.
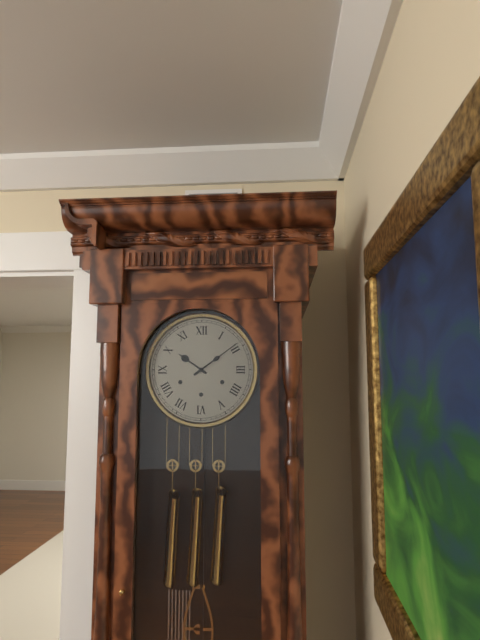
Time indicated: 10:09
